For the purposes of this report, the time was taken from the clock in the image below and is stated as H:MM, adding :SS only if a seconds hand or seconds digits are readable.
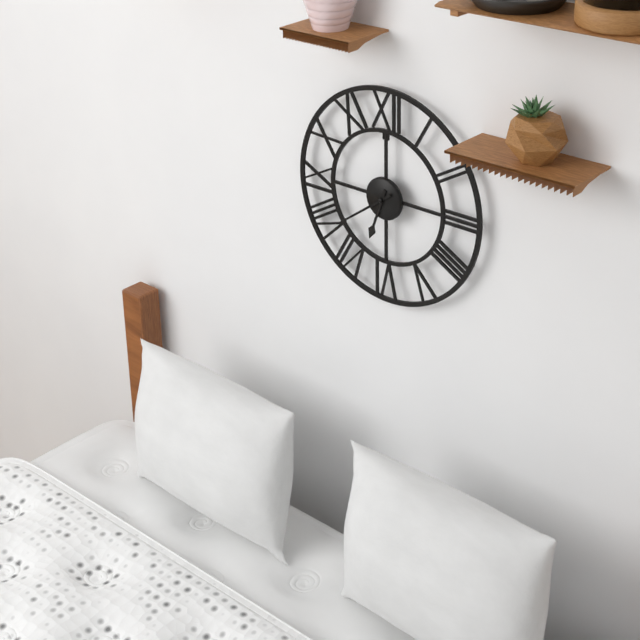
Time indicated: 6:39
